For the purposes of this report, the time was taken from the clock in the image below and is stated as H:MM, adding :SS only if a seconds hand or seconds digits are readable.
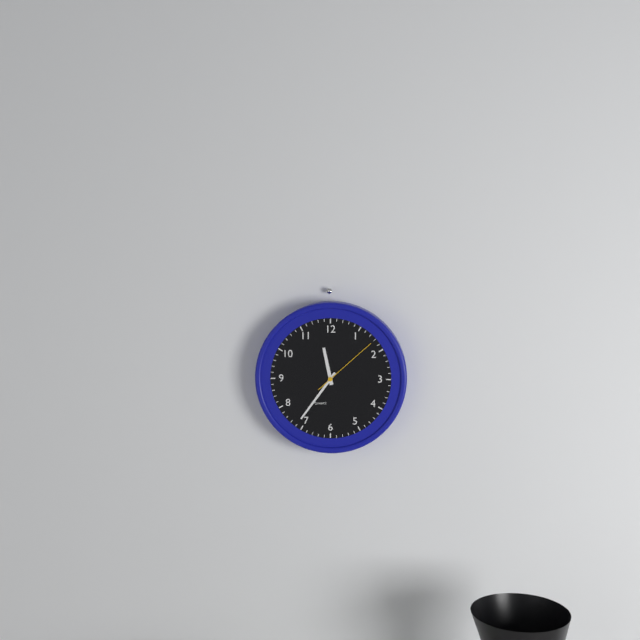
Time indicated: 11:36:08
